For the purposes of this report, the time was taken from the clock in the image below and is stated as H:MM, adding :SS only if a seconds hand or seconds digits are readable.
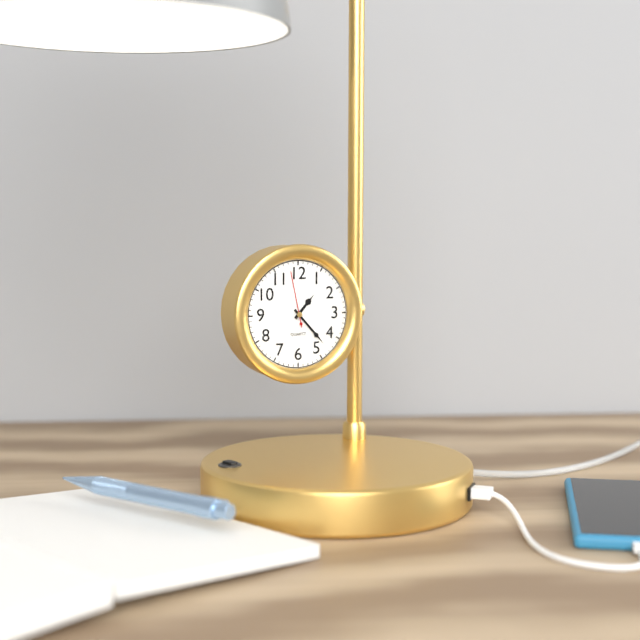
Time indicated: 1:23:58
